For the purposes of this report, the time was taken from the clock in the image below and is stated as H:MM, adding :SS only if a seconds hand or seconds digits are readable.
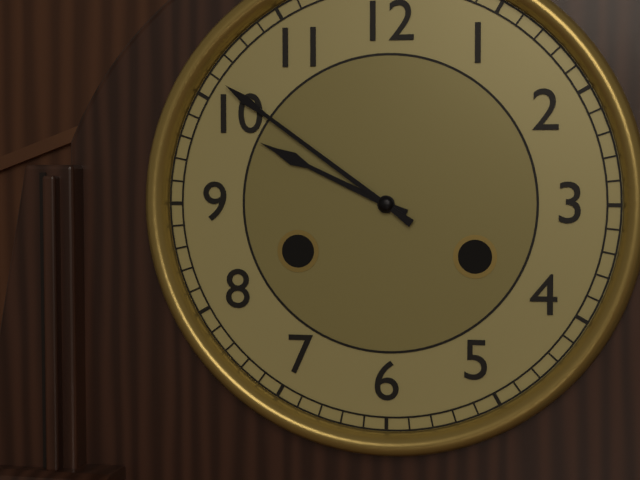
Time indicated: 9:51
